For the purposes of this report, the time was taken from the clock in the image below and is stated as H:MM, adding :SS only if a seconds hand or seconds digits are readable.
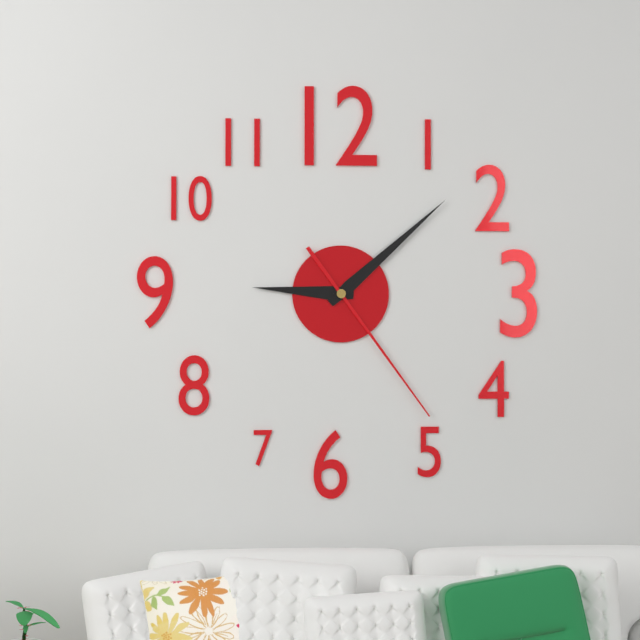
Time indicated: 9:08:24
